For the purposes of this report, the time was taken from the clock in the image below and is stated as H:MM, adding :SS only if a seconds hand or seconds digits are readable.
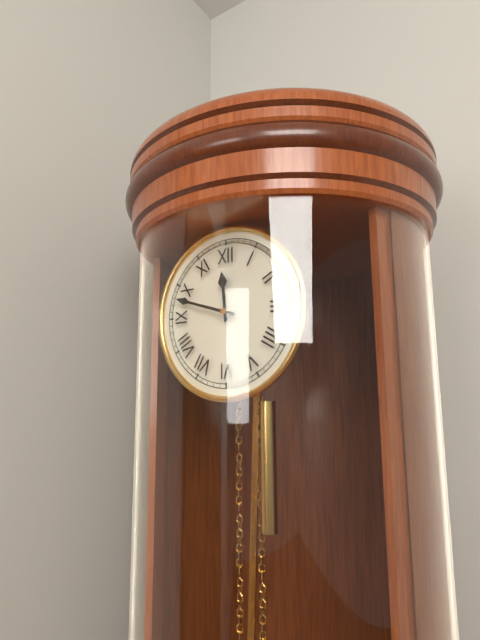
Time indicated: 11:48
